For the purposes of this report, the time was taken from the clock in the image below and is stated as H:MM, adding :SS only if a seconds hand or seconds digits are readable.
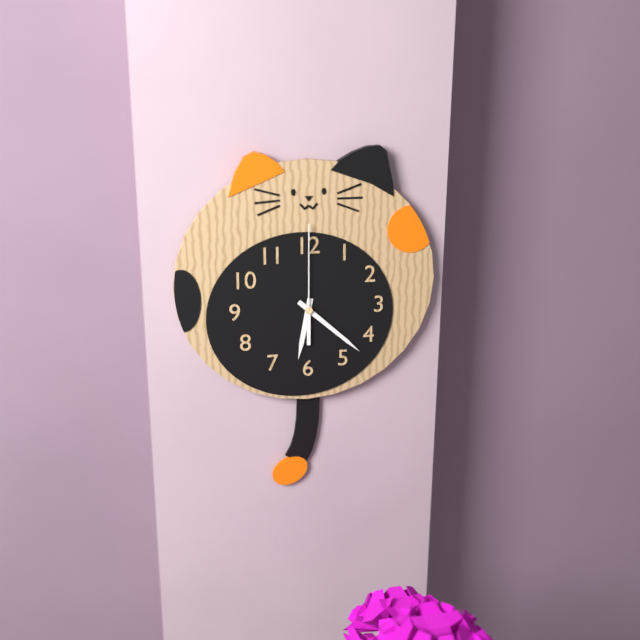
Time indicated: 6:22:00
